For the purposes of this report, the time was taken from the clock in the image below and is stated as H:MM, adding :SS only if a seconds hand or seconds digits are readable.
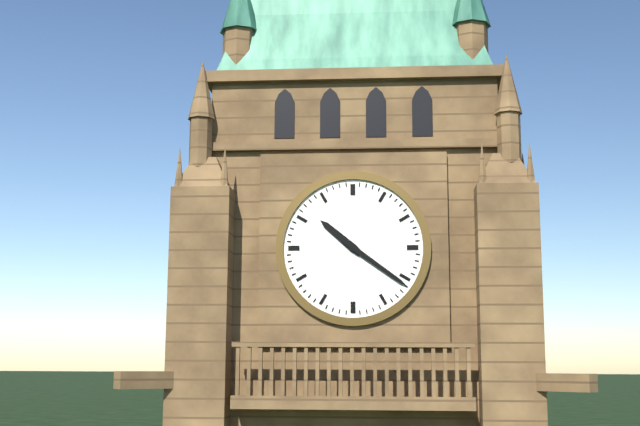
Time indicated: 10:21
